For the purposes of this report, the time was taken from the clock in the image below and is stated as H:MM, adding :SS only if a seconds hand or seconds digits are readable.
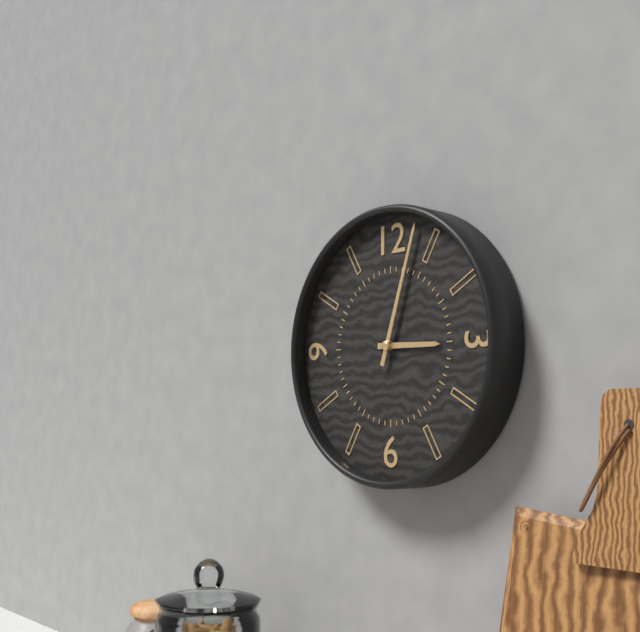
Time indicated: 3:03
